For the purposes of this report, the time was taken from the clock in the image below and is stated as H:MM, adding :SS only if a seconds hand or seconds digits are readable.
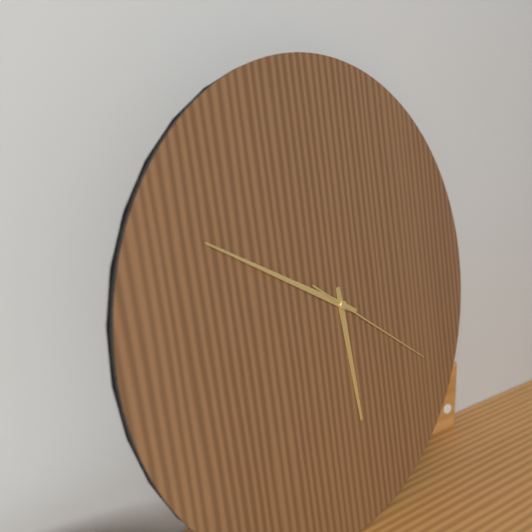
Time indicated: 5:50:21
